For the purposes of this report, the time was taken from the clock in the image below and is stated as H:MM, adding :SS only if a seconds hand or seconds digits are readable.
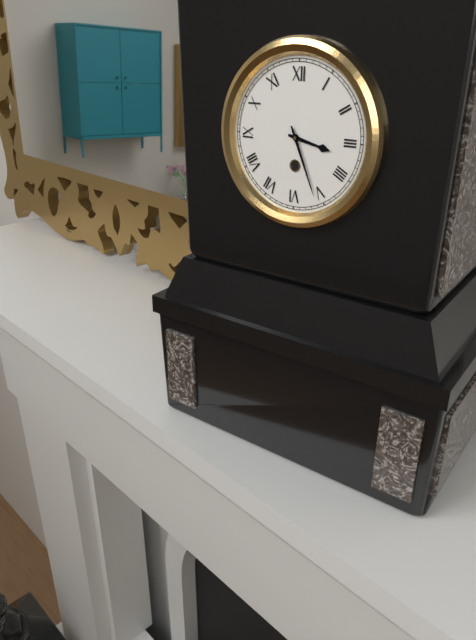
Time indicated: 3:26
